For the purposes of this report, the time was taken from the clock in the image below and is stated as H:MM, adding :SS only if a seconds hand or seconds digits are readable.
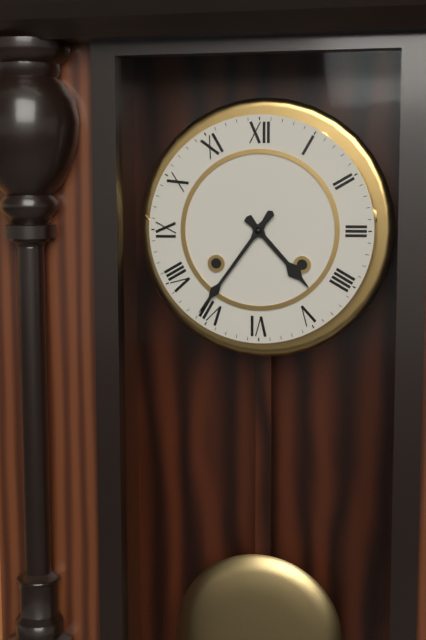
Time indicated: 4:36
